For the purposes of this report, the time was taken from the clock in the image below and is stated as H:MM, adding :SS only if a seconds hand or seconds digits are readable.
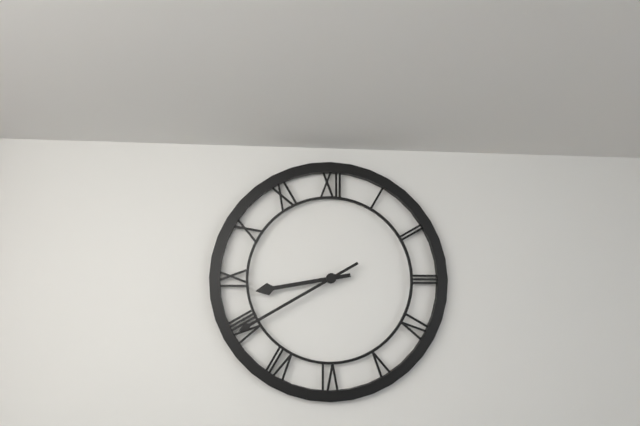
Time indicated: 8:40
